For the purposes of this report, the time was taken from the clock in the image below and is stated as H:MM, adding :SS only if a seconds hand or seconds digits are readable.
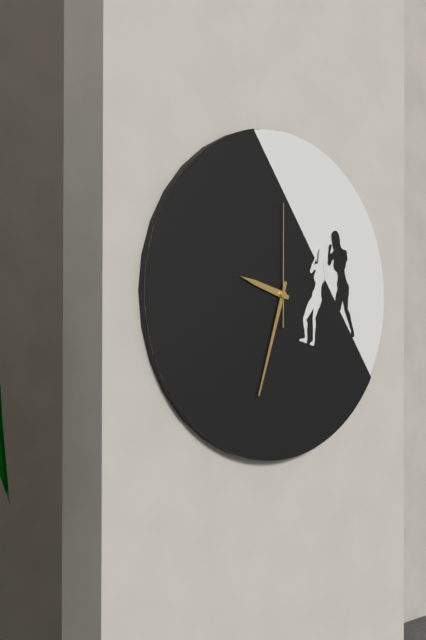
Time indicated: 9:33:00
